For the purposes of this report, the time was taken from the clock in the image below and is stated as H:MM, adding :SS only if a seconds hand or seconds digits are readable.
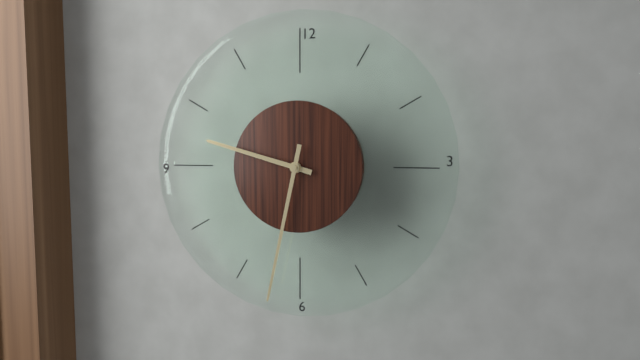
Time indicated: 9:32
